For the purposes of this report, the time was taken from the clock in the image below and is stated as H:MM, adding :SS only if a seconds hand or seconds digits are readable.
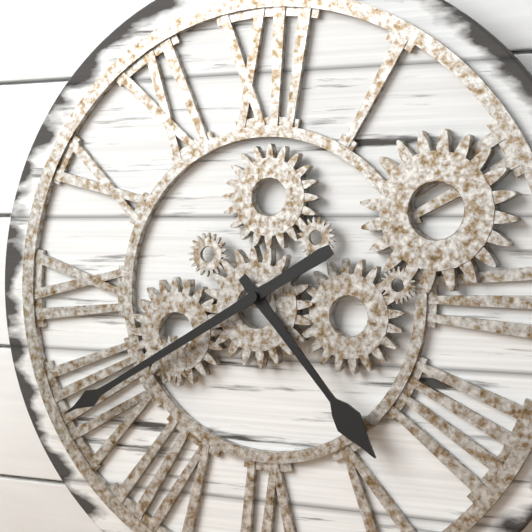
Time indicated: 4:40
